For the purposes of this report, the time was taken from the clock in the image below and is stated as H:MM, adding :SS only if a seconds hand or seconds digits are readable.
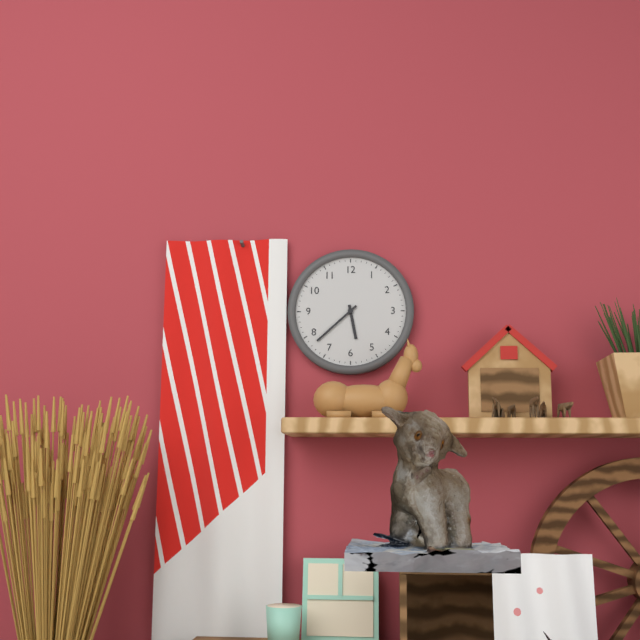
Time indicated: 5:38
